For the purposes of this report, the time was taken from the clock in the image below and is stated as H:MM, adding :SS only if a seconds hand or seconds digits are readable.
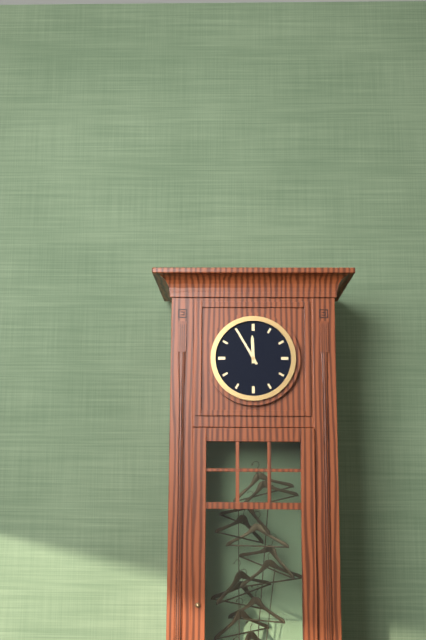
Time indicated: 11:55
